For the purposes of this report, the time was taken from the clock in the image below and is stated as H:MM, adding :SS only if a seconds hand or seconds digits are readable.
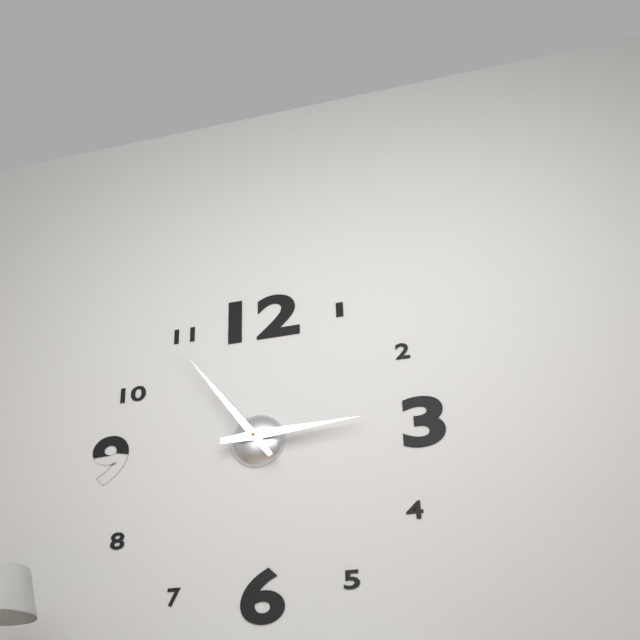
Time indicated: 2:54
